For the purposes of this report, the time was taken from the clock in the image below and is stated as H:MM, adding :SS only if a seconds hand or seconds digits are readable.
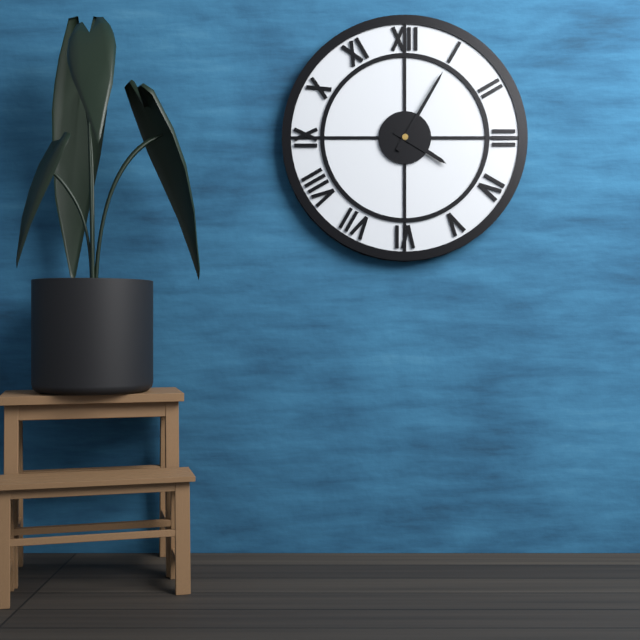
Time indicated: 4:05
